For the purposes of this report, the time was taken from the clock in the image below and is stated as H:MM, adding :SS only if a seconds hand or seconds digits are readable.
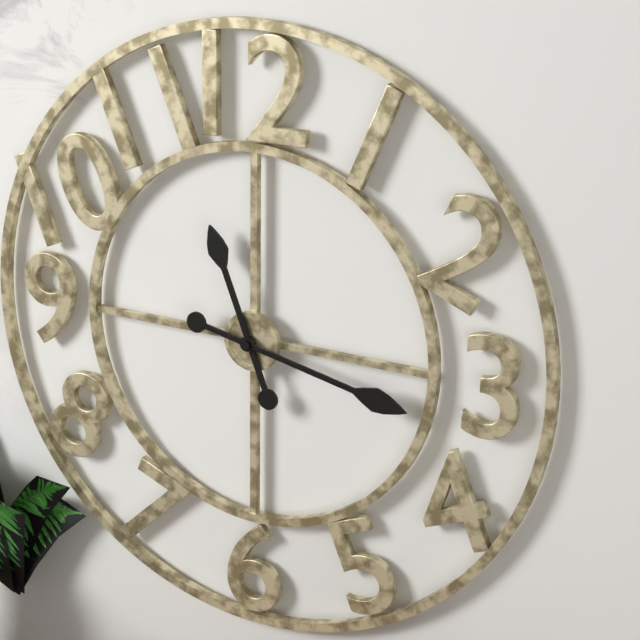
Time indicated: 11:17
